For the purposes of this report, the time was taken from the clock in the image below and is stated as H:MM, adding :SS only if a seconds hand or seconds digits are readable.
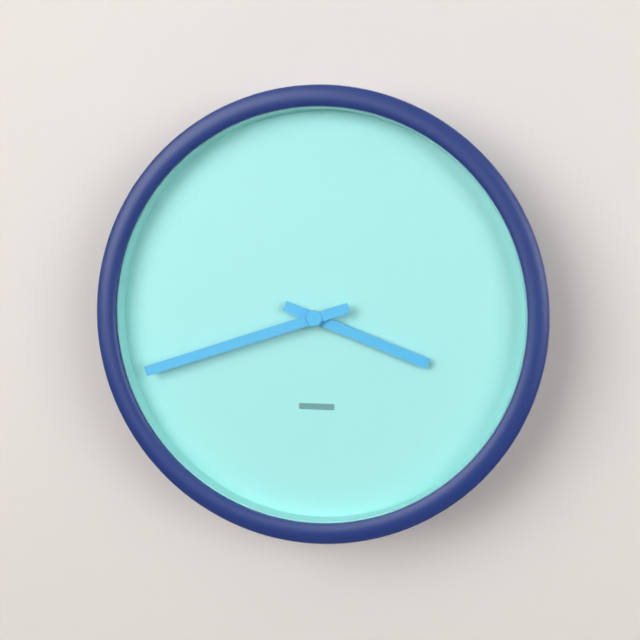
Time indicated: 3:42
